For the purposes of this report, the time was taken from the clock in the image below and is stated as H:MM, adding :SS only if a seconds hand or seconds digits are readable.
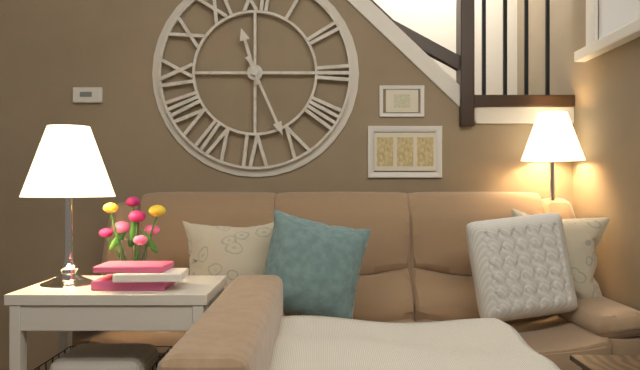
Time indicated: 11:26
